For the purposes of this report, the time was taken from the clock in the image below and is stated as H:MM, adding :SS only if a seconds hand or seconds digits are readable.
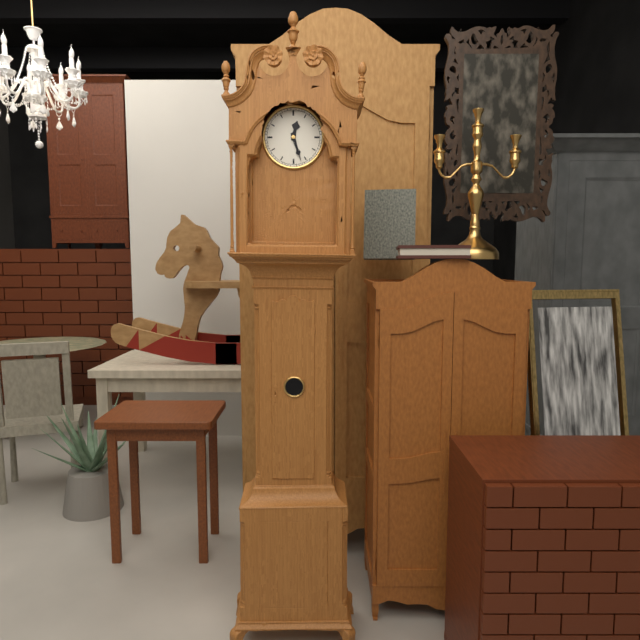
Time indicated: 12:27
